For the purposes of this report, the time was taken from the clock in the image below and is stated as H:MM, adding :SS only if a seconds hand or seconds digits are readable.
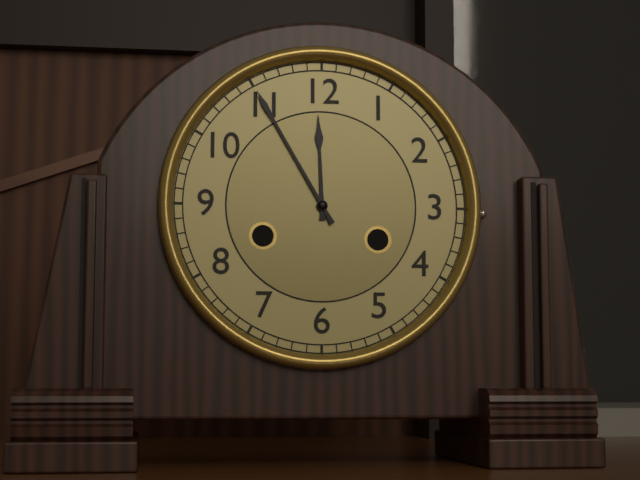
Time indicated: 11:55
